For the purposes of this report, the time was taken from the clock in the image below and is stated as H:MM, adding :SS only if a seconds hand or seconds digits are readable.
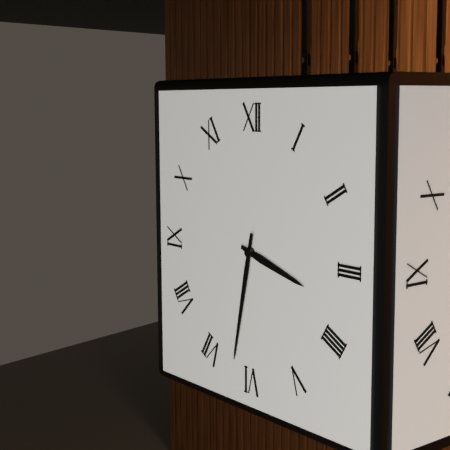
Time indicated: 3:32
